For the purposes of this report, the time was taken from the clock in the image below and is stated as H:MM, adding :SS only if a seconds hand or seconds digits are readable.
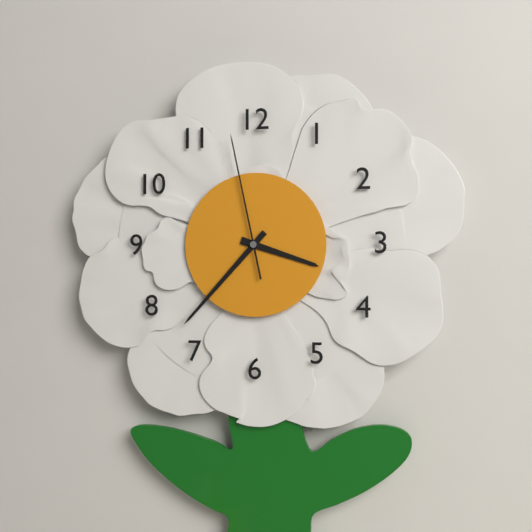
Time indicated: 3:37:58
